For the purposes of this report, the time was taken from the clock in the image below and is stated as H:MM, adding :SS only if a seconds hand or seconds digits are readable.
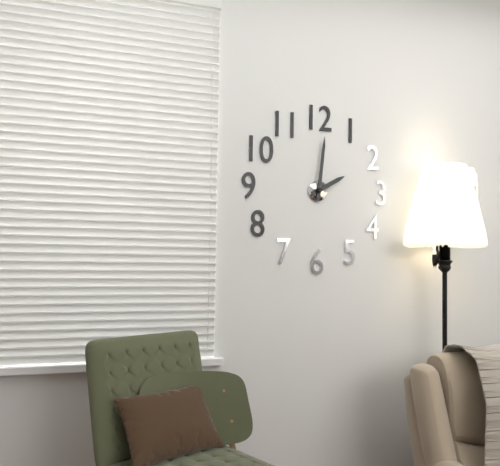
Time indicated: 2:01
